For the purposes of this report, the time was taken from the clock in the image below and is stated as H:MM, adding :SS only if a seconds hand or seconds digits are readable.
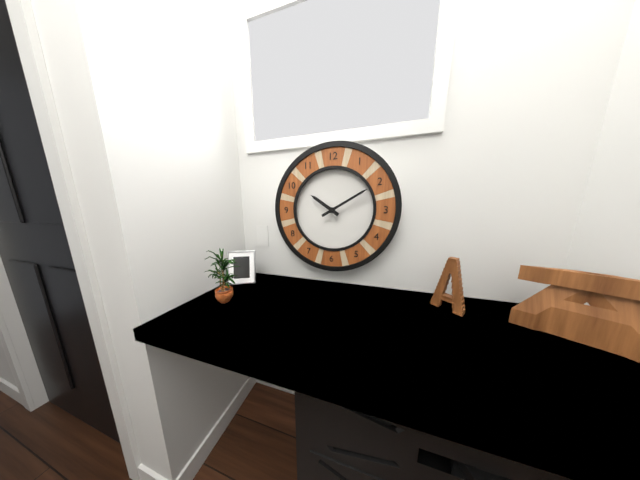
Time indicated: 10:10
